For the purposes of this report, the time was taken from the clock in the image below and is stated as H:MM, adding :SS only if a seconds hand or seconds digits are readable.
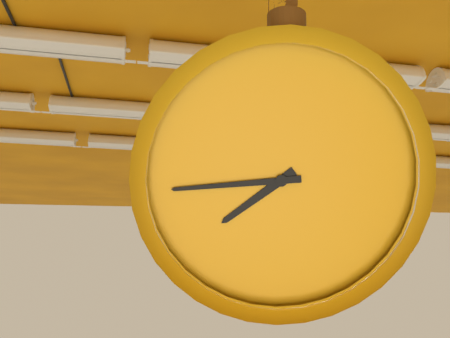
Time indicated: 7:44
